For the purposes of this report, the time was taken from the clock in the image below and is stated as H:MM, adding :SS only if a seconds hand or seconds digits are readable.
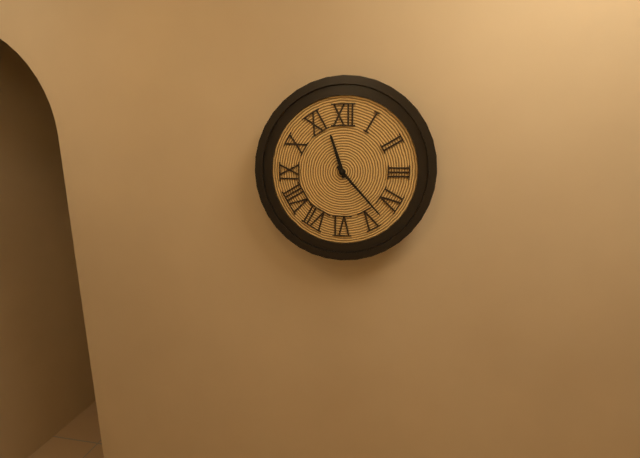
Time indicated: 11:23
